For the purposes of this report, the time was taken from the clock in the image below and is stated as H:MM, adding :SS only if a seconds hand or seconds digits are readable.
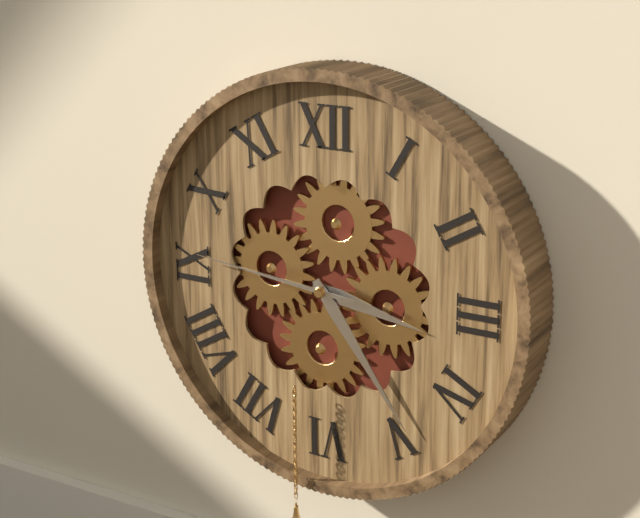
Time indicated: 3:24:46
